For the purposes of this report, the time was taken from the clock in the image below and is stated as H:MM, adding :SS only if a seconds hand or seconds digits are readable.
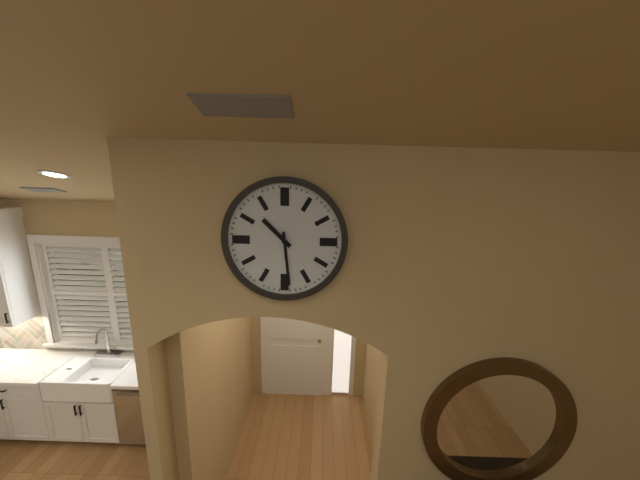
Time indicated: 10:29
